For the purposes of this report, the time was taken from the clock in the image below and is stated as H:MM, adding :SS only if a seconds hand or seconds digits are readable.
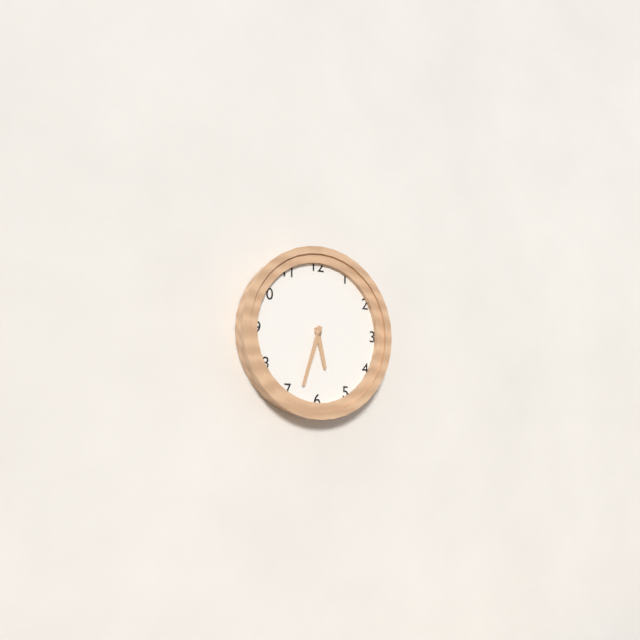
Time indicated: 5:33
